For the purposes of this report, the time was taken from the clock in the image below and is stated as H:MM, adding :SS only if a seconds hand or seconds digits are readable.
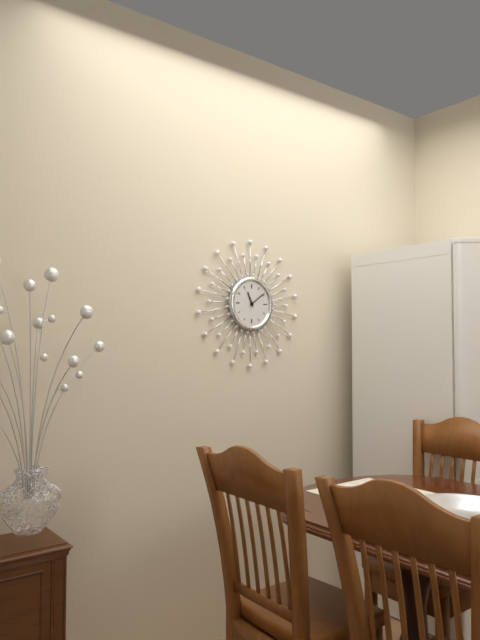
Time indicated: 11:09
